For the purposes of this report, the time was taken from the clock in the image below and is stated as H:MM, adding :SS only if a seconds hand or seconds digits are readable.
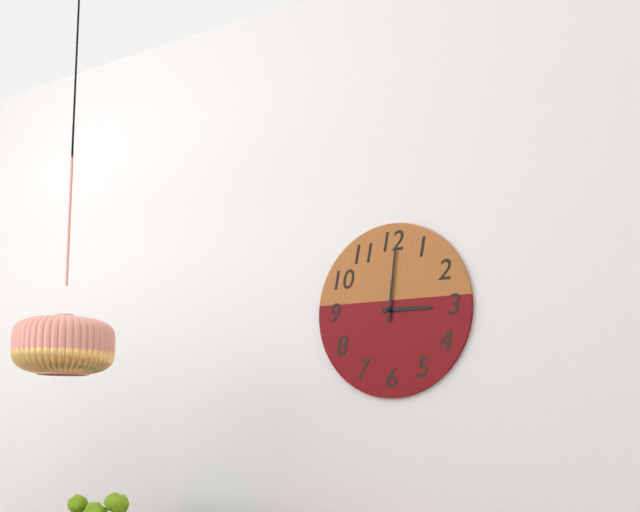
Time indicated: 3:01
